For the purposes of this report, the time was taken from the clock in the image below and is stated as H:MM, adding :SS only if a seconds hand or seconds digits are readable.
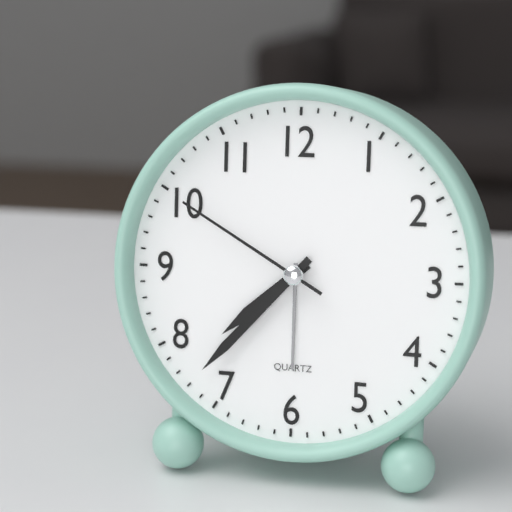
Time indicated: 7:37:50
